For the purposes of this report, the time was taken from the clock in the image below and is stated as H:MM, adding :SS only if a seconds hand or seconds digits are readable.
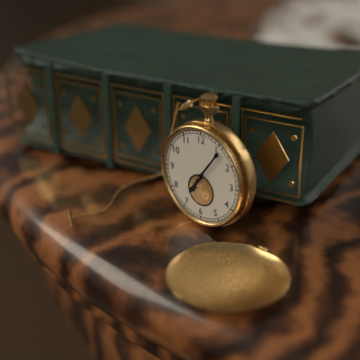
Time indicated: 7:06
